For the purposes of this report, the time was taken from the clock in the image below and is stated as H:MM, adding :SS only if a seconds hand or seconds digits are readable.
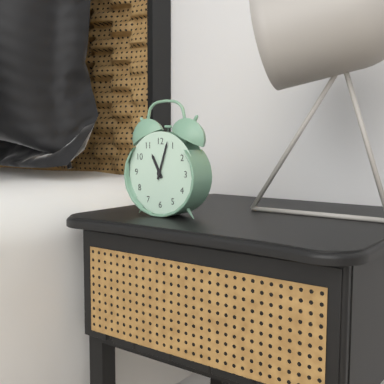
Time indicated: 11:03
